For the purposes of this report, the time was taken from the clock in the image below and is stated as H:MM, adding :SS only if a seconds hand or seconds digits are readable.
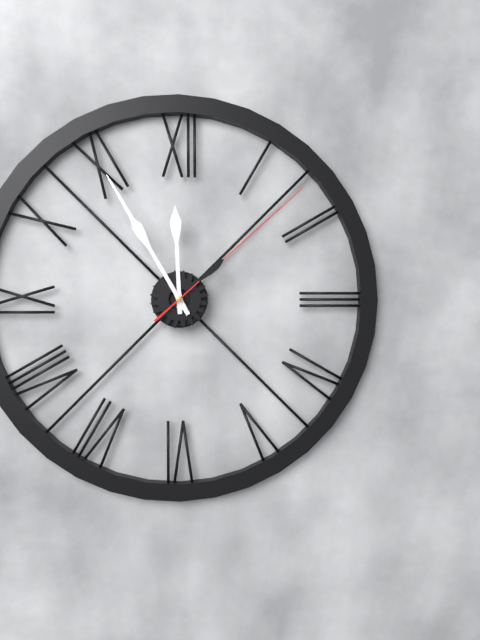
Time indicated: 11:55:08
